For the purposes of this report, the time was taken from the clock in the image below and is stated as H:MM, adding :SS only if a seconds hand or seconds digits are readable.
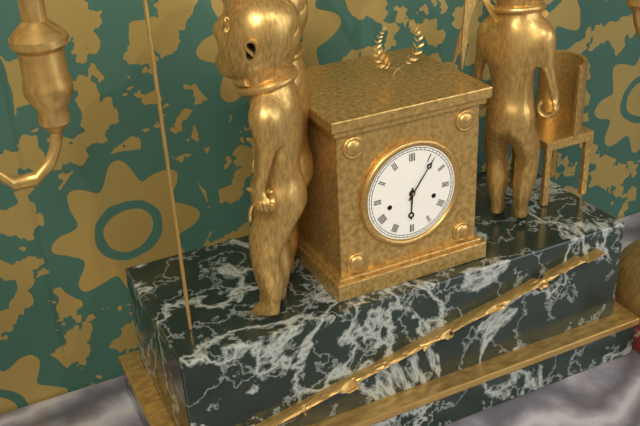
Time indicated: 6:06
